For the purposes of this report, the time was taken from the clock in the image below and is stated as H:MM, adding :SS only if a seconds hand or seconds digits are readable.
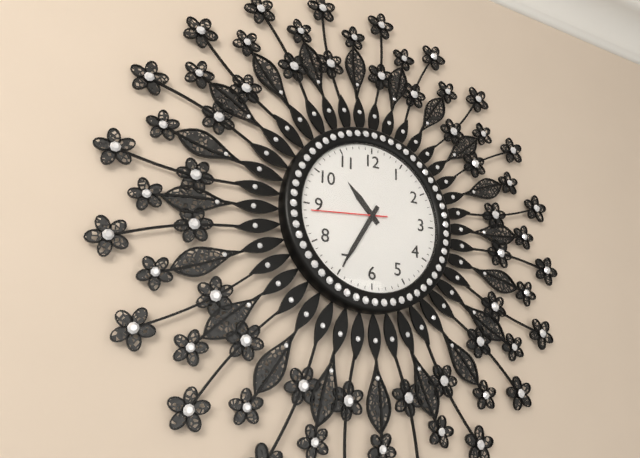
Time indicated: 10:35:44
